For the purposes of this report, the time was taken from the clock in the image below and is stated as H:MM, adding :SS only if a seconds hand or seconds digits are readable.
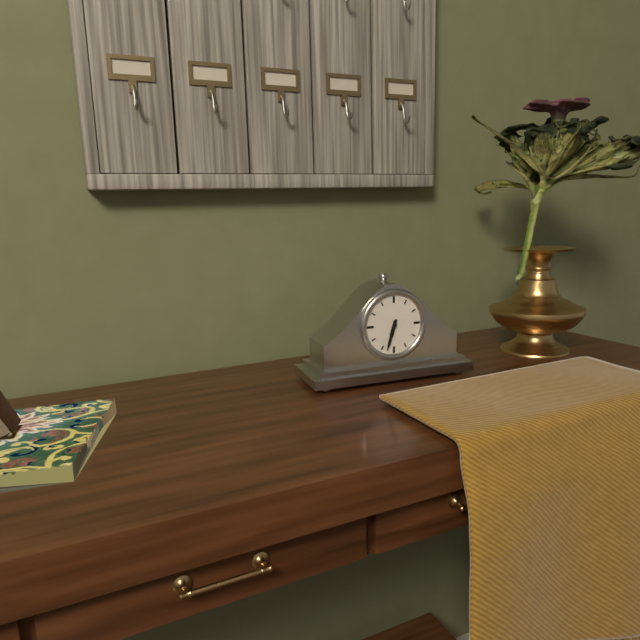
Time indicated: 6:33
